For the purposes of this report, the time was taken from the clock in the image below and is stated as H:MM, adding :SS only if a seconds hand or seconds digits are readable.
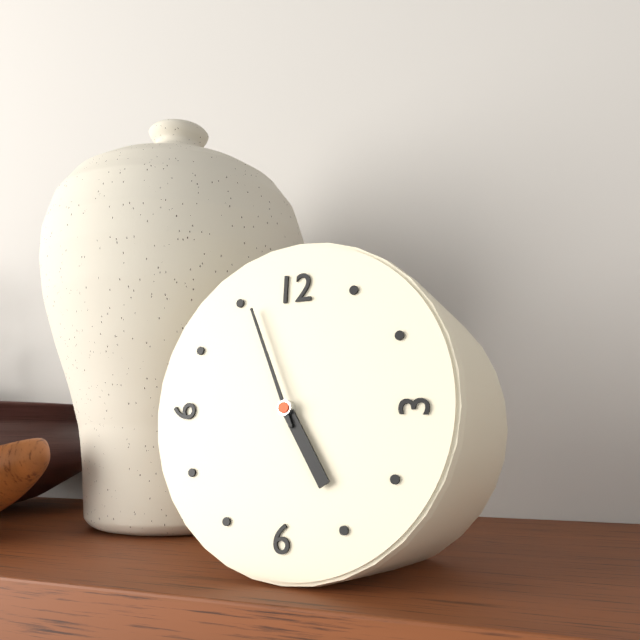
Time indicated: 4:56
